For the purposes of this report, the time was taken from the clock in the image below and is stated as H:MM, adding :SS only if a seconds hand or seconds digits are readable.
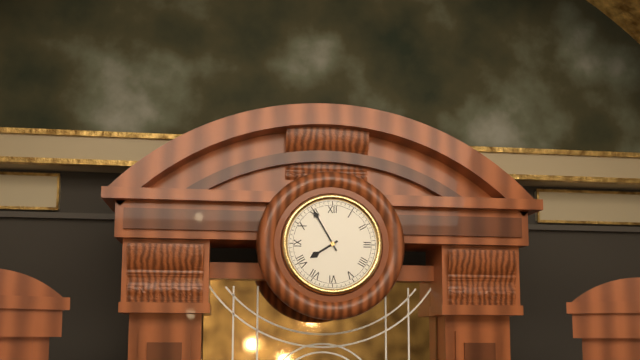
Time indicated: 7:55
